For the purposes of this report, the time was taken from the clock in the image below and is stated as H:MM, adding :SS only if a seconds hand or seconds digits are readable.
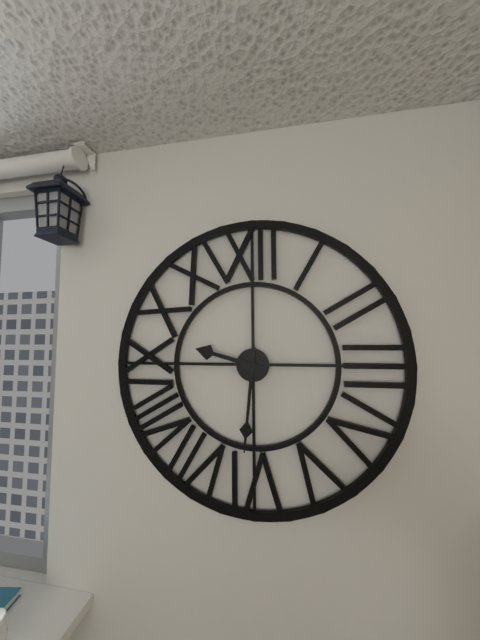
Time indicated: 9:31
